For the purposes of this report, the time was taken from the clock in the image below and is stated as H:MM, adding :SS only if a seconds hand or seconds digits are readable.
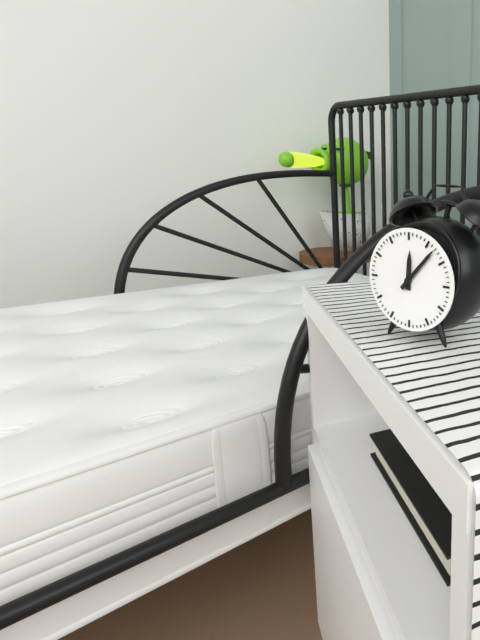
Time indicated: 12:07
